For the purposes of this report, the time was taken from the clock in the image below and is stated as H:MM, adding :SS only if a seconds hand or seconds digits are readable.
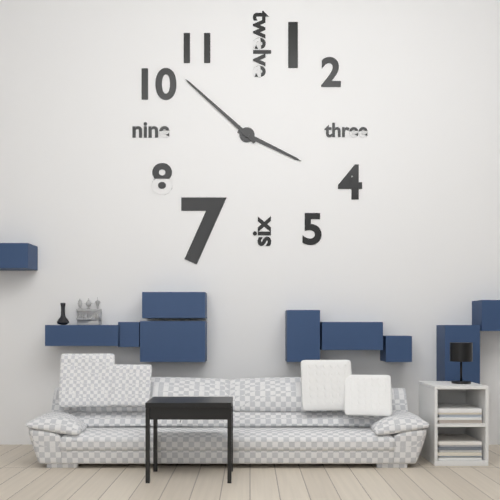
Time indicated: 3:52
